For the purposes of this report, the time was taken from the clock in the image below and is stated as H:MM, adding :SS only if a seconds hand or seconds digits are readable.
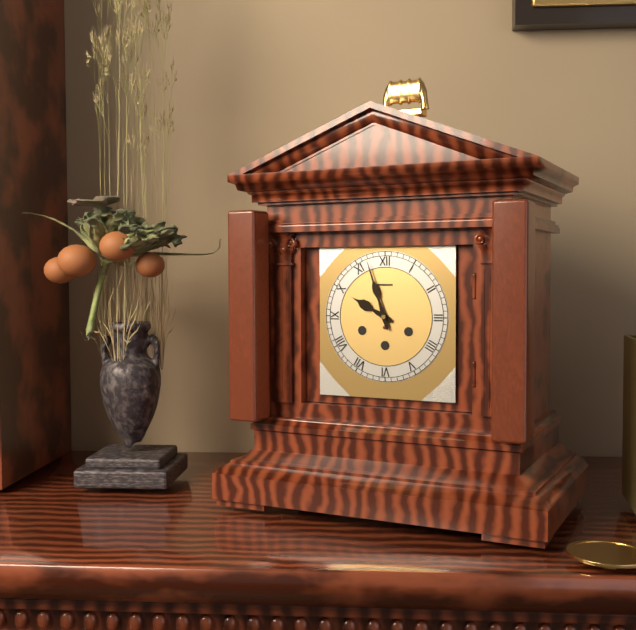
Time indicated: 9:57
